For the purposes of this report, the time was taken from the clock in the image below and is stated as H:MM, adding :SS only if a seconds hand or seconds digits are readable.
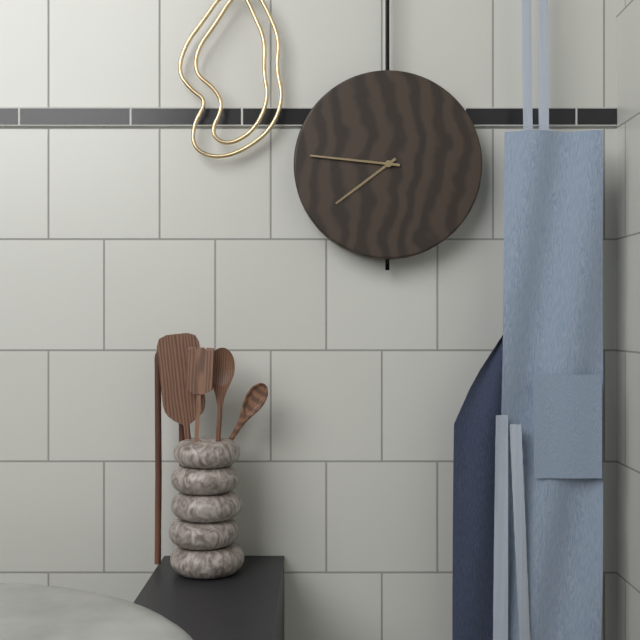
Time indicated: 7:46
